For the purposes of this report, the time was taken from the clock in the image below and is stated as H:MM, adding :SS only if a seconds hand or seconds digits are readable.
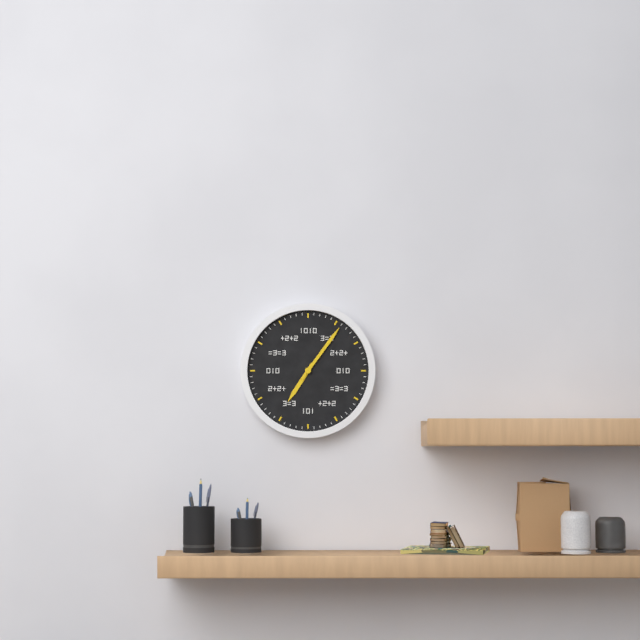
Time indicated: 7:06
